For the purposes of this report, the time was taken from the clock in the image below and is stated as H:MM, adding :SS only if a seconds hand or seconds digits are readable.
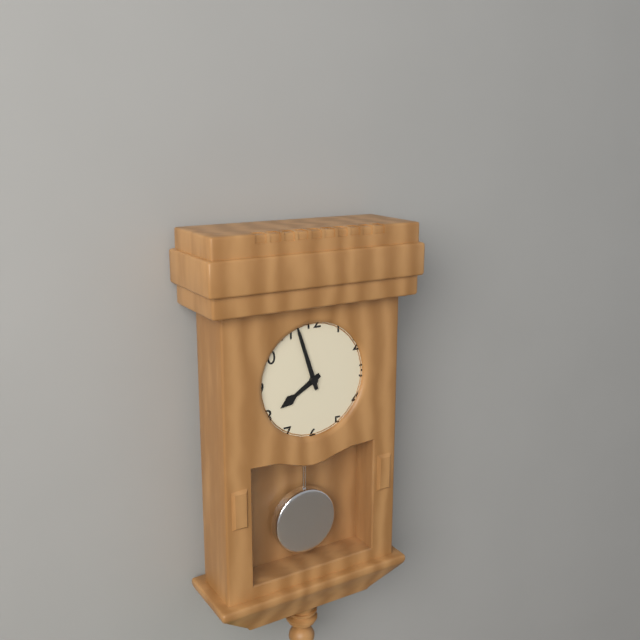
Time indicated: 7:57
